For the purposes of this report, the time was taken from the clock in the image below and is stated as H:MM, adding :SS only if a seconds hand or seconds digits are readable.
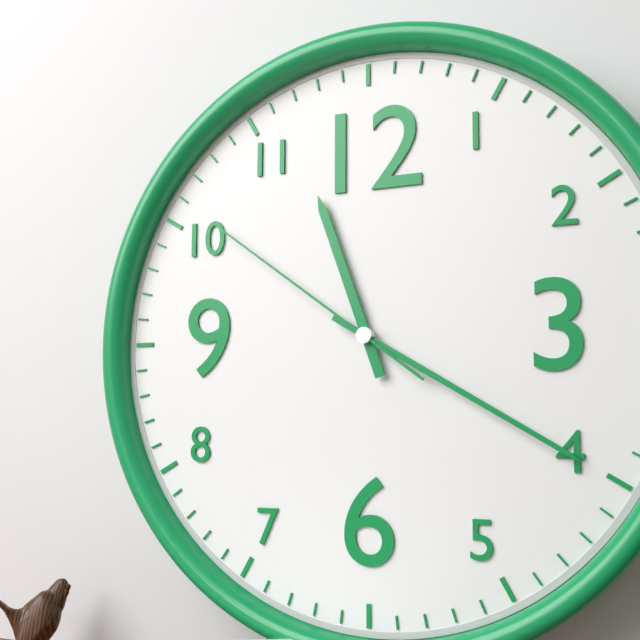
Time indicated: 11:20:51
